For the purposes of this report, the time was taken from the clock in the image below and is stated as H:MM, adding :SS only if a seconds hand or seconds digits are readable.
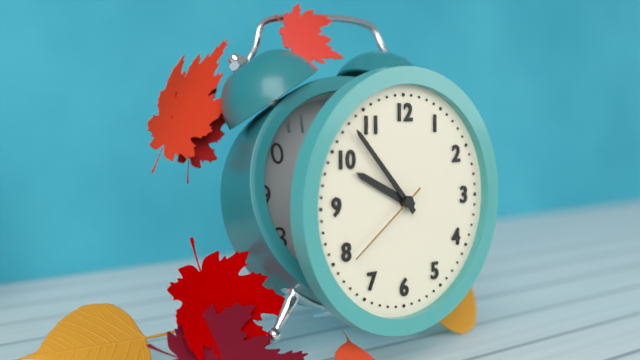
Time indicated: 9:53:39
